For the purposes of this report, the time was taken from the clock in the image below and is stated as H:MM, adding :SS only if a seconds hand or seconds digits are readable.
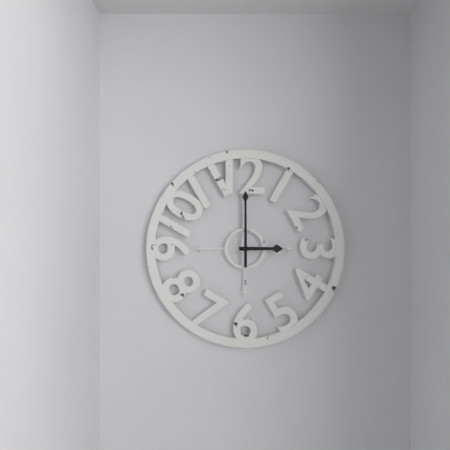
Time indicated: 3:00
